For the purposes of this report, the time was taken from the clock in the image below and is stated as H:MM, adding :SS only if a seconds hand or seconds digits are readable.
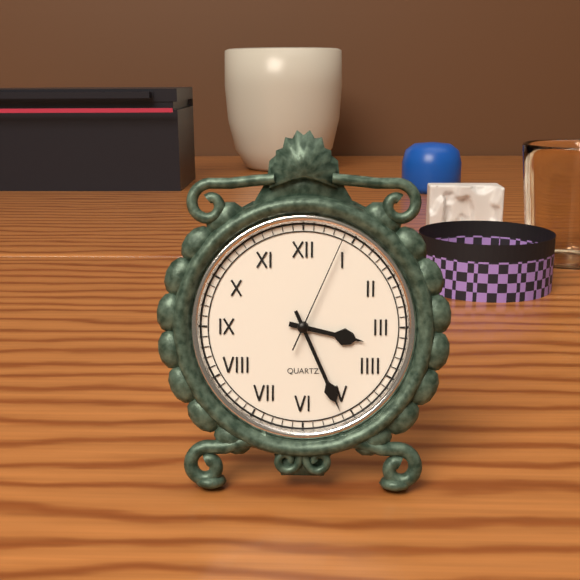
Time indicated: 3:26:04
